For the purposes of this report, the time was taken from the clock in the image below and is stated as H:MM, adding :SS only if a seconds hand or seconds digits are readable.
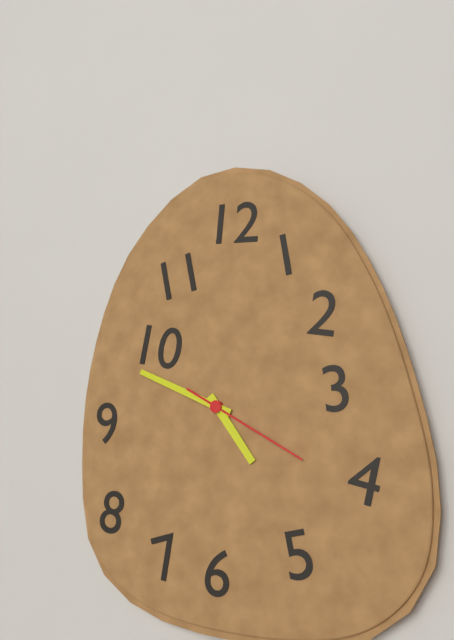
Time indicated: 4:49:20
